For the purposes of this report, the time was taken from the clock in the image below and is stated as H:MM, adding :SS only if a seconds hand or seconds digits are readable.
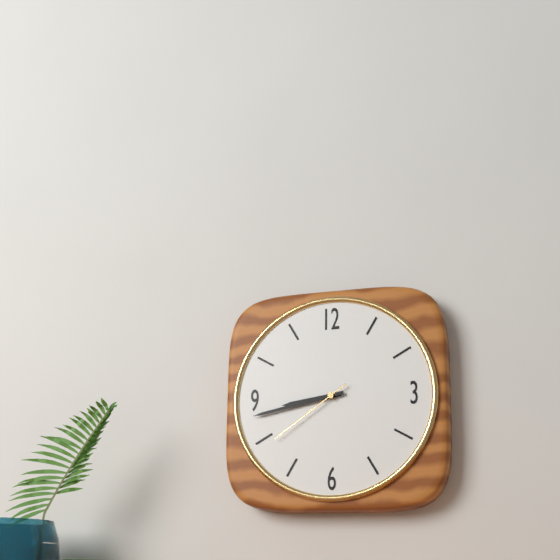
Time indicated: 8:43:39
